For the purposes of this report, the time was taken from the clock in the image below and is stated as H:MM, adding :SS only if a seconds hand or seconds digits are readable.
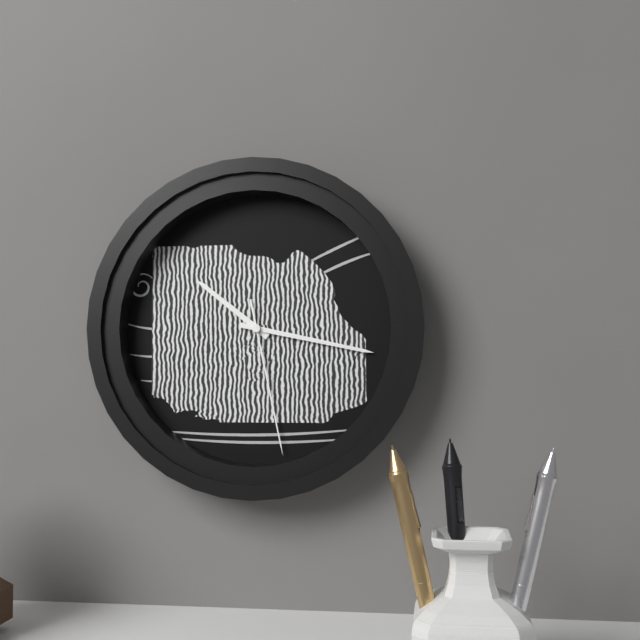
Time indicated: 10:17:28
